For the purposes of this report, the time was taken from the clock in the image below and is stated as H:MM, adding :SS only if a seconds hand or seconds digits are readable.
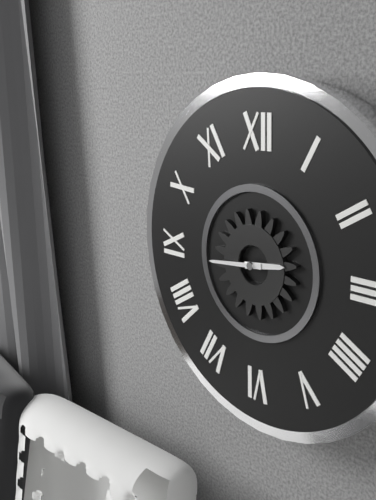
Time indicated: 2:44
